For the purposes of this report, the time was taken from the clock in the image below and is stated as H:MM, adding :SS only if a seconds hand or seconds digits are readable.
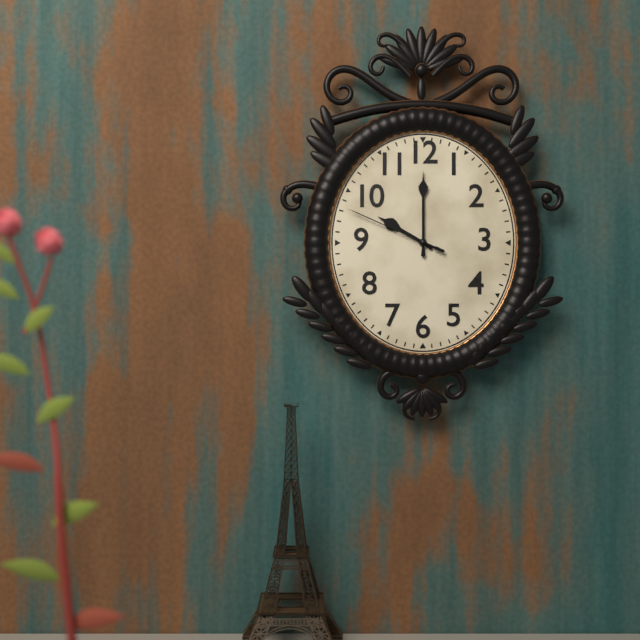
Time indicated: 10:00:49
